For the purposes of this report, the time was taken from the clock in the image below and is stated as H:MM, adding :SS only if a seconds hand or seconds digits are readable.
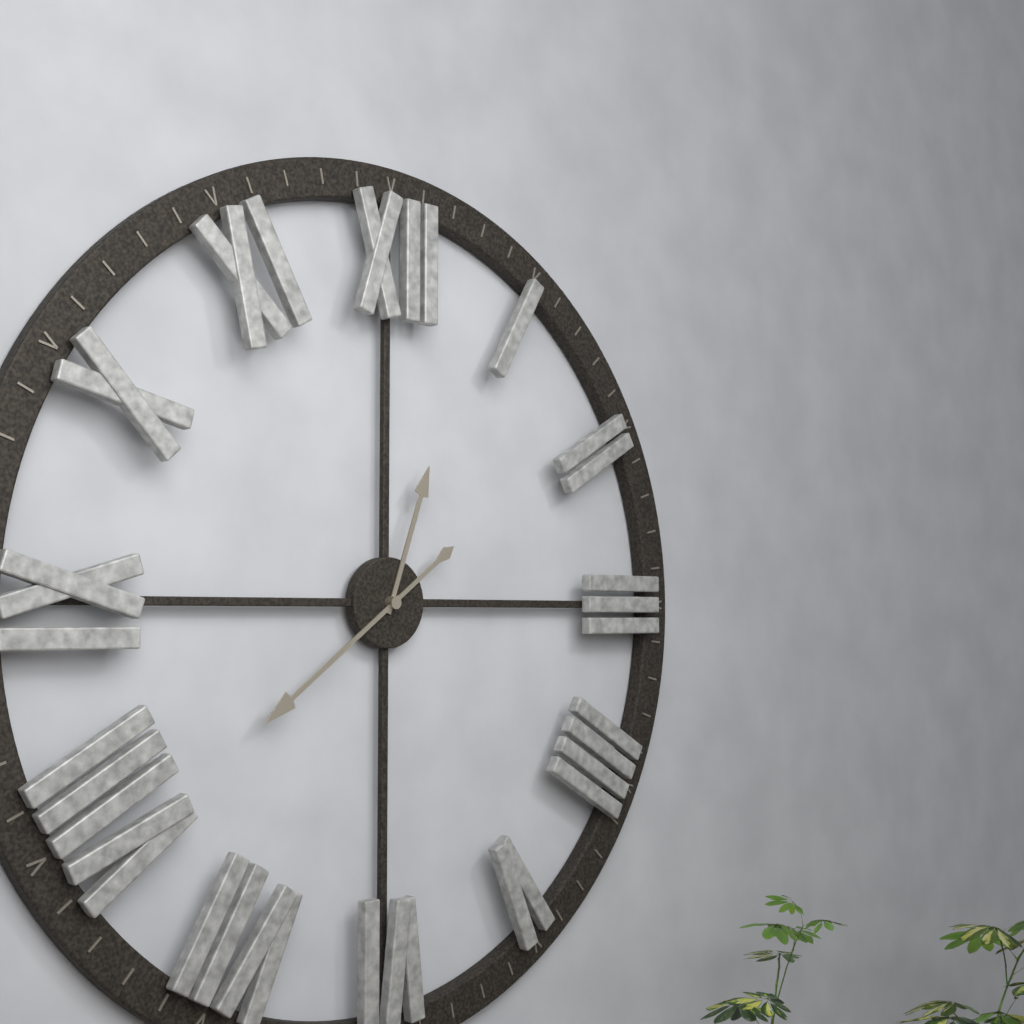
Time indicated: 12:39
